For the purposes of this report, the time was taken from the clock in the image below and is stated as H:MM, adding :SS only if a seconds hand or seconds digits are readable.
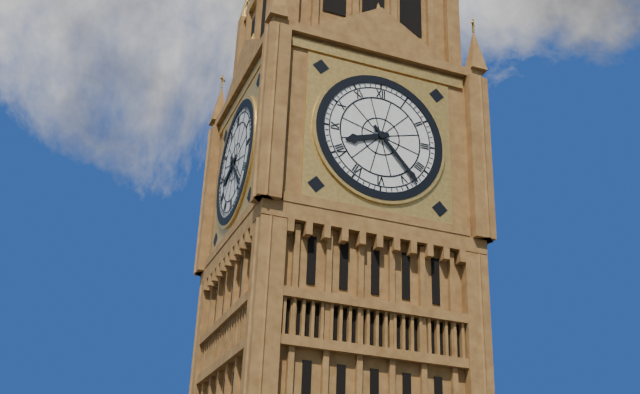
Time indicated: 8:23
